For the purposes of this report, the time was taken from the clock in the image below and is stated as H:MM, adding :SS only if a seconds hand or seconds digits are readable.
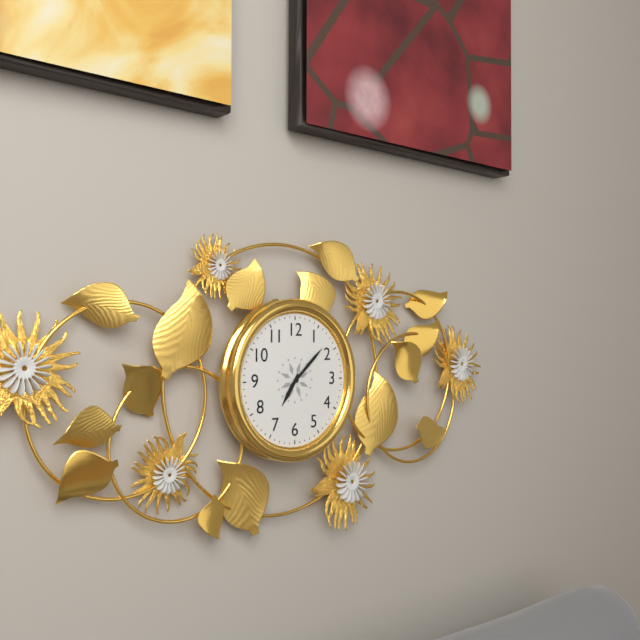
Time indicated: 7:08
